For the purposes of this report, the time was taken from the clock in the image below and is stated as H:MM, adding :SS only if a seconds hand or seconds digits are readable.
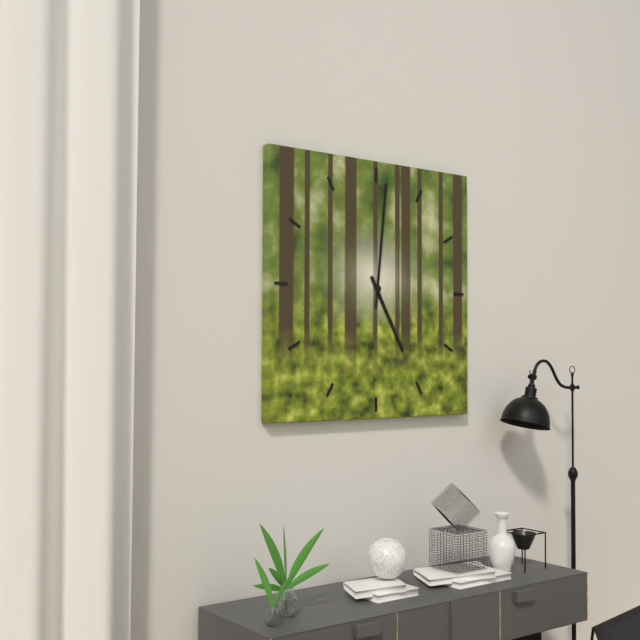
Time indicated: 5:01
